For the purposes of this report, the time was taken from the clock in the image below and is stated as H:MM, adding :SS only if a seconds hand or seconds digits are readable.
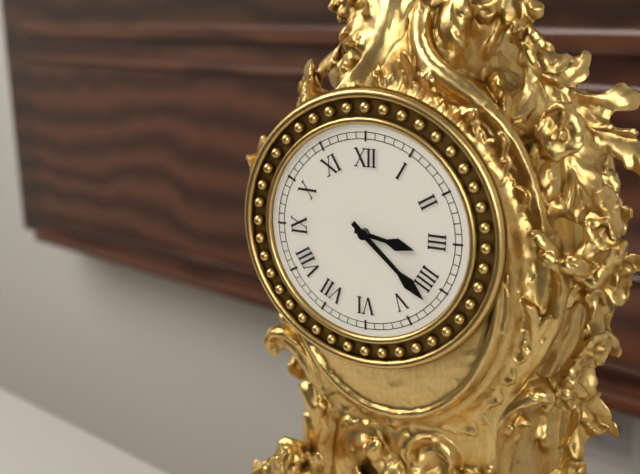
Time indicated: 3:22
